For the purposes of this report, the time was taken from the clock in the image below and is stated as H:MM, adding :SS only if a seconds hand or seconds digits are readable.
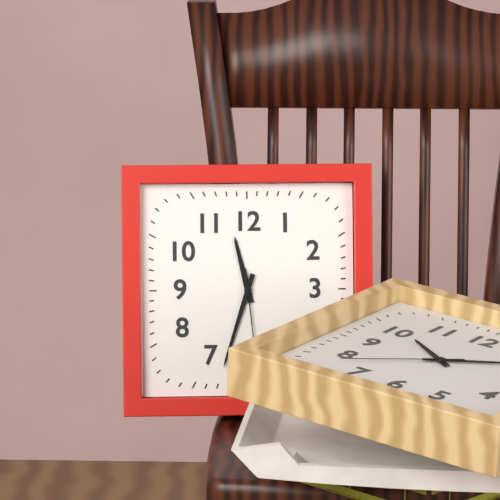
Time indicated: 11:33
